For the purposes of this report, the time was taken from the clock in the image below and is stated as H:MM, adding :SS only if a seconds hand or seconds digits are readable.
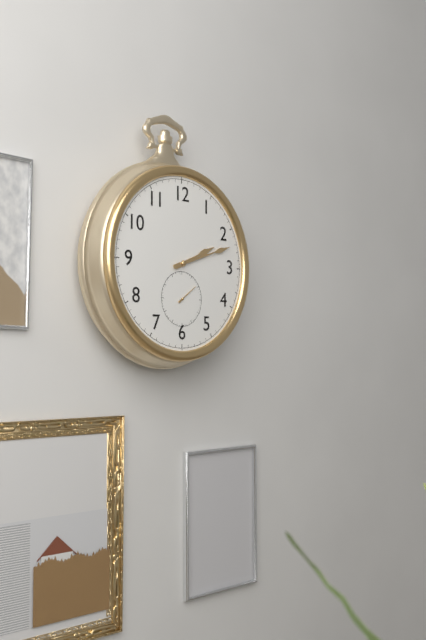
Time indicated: 2:12
